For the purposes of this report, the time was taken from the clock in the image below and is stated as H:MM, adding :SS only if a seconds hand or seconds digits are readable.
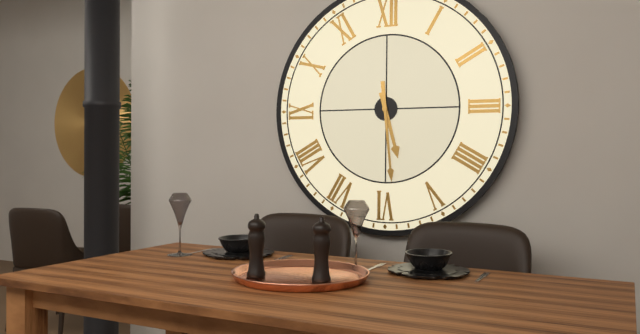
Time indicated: 5:29
